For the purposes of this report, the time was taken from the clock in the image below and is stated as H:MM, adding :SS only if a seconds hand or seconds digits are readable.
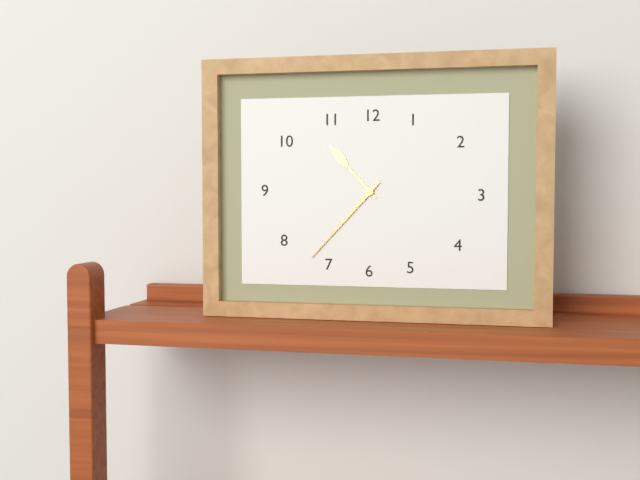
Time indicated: 10:37
